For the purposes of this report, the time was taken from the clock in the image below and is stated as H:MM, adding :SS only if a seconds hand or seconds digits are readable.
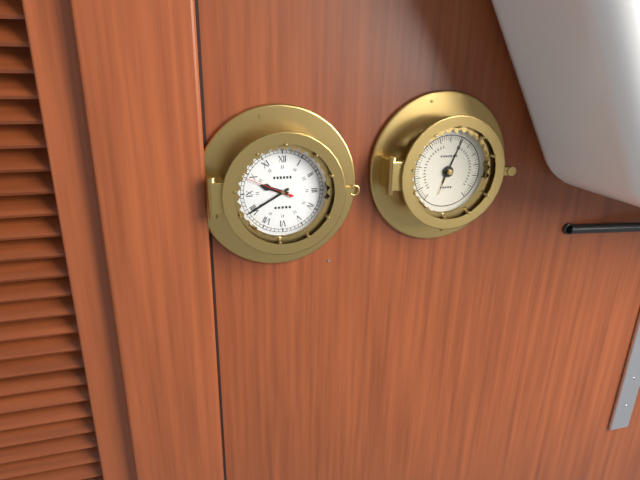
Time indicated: 9:40
